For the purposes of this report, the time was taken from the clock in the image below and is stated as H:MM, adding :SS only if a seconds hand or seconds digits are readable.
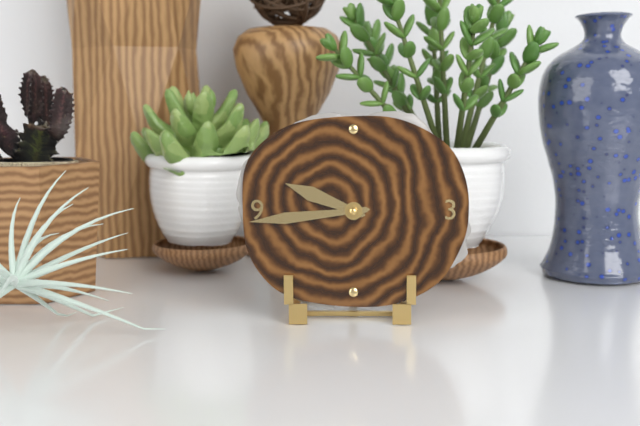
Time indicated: 9:44
